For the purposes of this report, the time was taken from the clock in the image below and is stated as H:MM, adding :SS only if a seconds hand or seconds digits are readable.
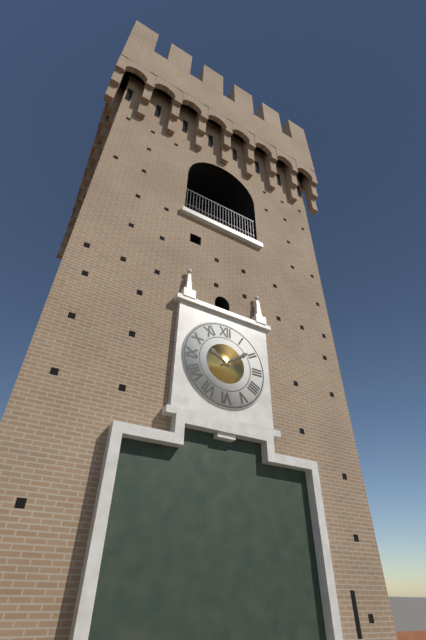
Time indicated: 10:09
